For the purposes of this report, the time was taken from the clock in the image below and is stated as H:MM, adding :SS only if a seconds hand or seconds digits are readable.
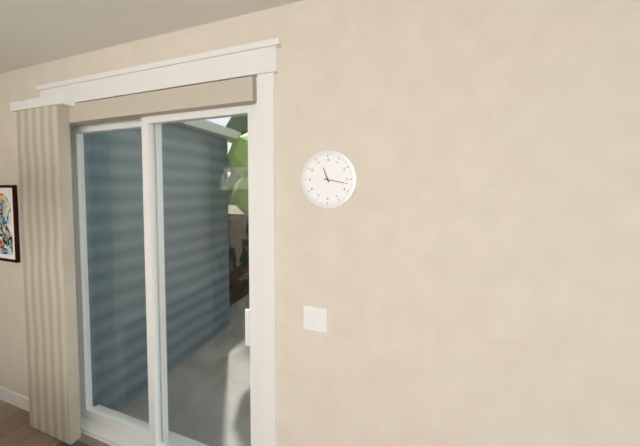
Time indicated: 11:17
